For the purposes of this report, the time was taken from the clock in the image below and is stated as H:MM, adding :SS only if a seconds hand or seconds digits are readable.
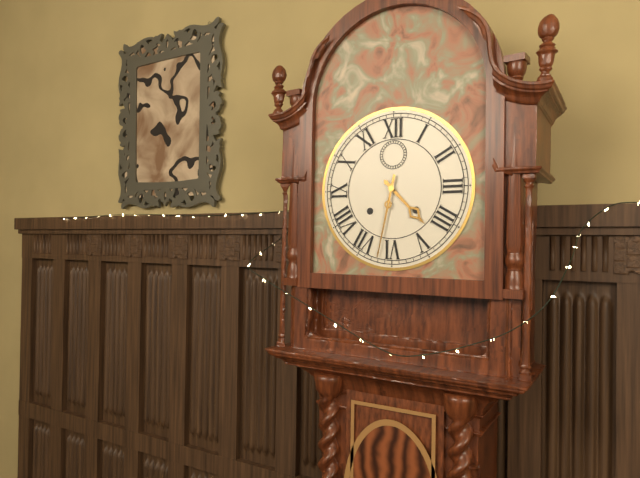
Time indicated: 4:32
